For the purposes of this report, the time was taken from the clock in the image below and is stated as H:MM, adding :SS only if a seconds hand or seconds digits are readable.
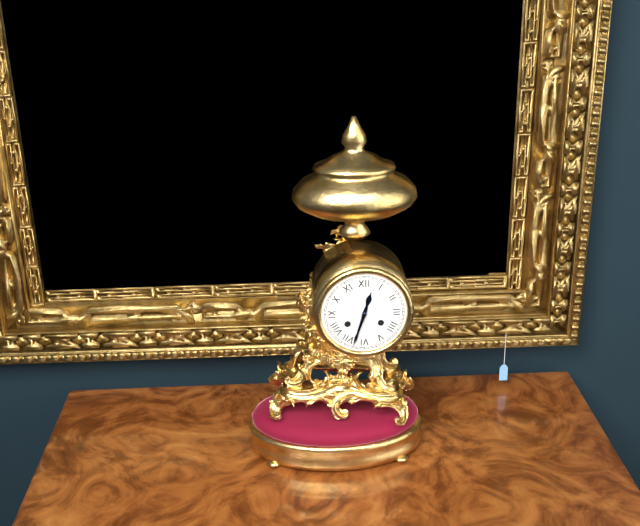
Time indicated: 12:33
